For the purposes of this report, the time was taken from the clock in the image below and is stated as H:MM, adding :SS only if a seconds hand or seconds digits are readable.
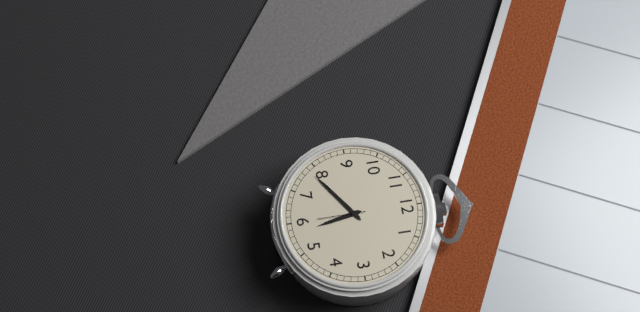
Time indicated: 5:39
